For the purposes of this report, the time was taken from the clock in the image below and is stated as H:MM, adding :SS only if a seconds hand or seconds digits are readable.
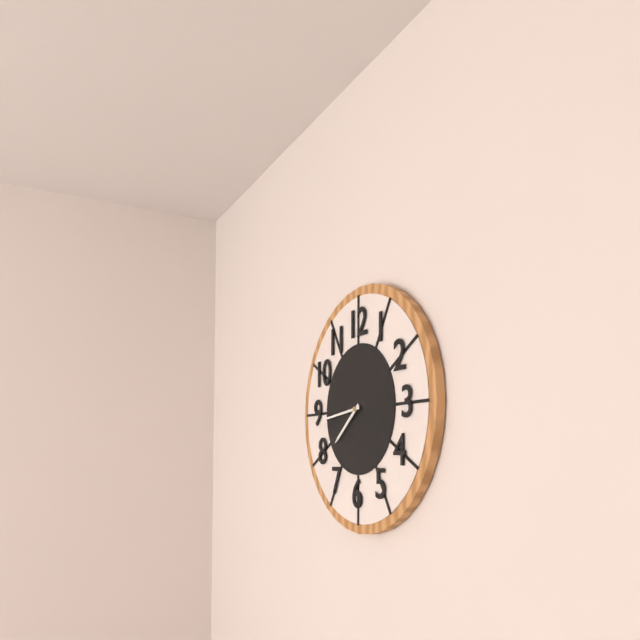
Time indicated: 7:44
